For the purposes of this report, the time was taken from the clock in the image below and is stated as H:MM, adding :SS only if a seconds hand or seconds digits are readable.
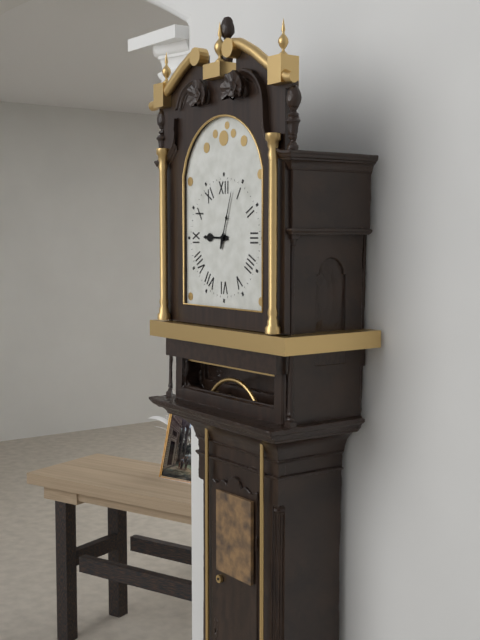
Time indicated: 9:03
